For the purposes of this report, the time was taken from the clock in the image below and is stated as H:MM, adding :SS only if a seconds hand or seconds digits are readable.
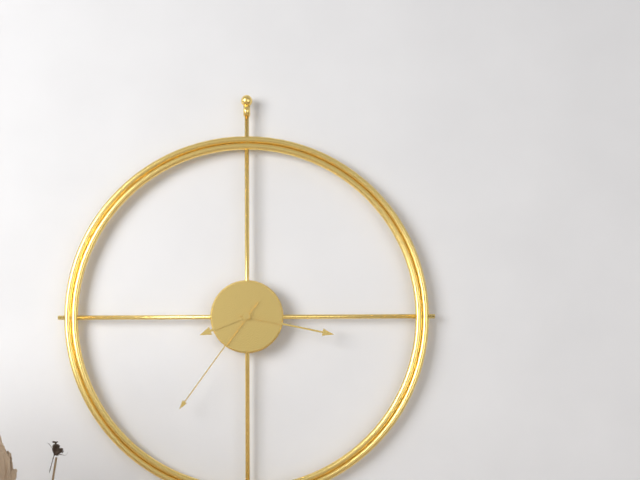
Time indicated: 8:17:36
